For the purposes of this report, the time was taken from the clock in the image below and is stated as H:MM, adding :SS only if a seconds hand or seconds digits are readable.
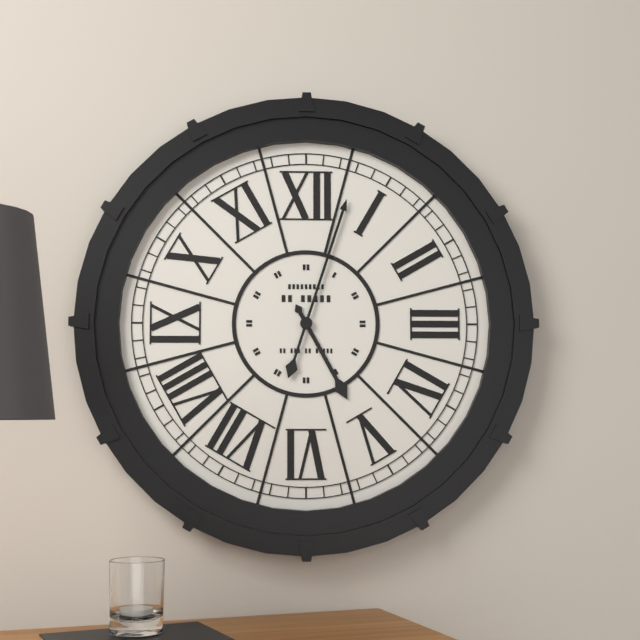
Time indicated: 5:03
